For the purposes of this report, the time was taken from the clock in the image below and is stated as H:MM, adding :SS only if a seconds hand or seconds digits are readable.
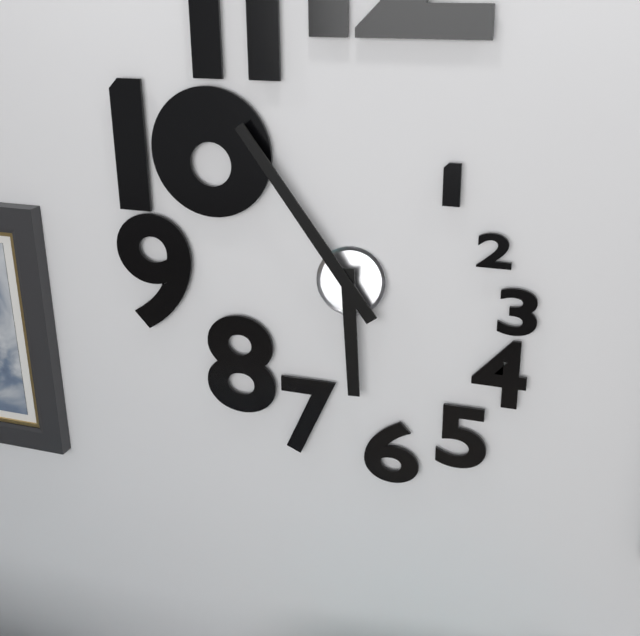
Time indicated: 5:54
